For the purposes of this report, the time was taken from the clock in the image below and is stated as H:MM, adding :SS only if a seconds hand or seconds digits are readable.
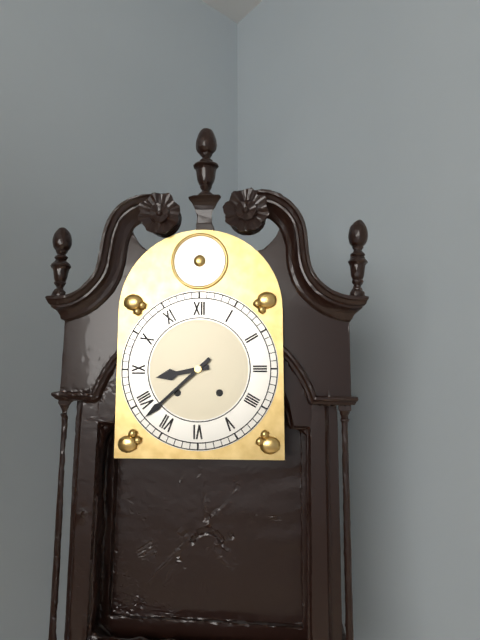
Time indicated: 8:38
